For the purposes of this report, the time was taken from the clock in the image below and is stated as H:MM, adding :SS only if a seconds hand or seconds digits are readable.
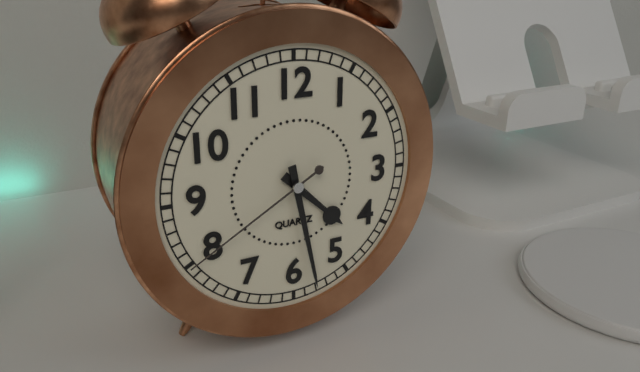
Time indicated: 4:28:40
